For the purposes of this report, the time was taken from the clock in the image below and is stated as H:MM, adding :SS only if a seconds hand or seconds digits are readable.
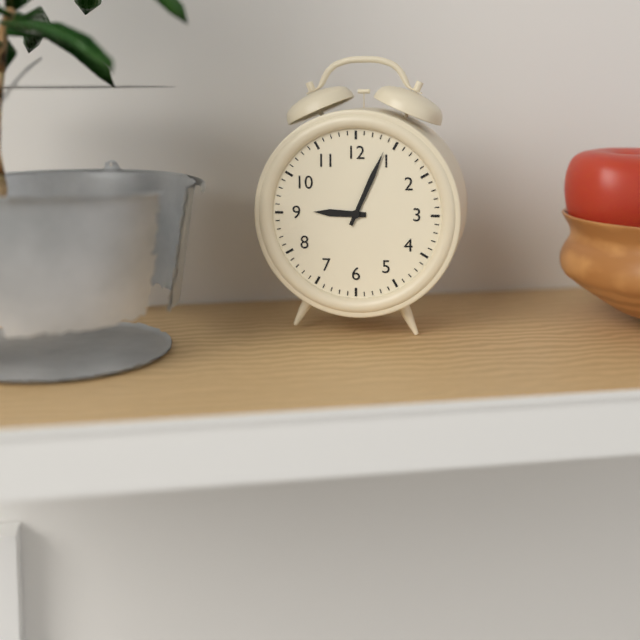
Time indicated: 9:04
